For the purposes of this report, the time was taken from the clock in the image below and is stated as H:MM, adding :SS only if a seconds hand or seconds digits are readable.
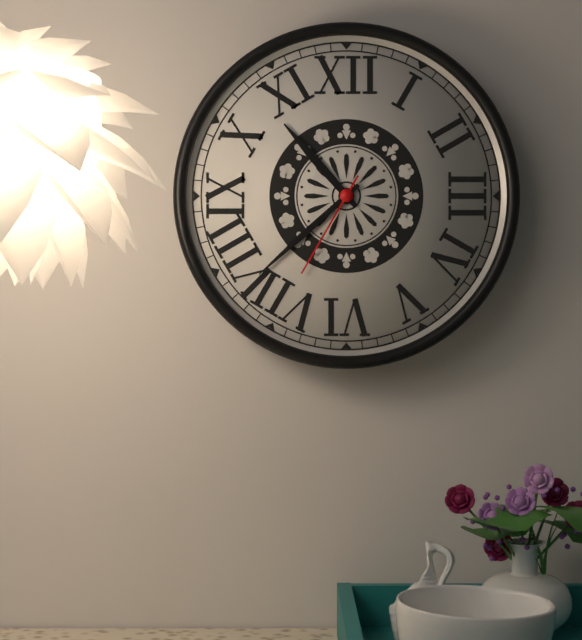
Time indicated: 10:38:35
